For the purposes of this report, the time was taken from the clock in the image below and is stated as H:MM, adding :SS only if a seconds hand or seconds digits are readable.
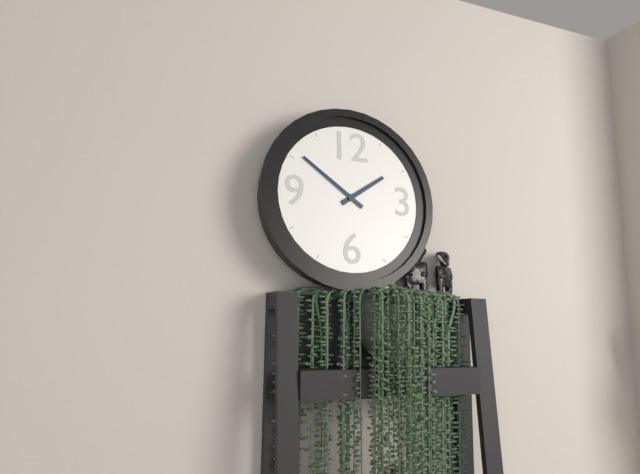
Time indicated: 1:51
